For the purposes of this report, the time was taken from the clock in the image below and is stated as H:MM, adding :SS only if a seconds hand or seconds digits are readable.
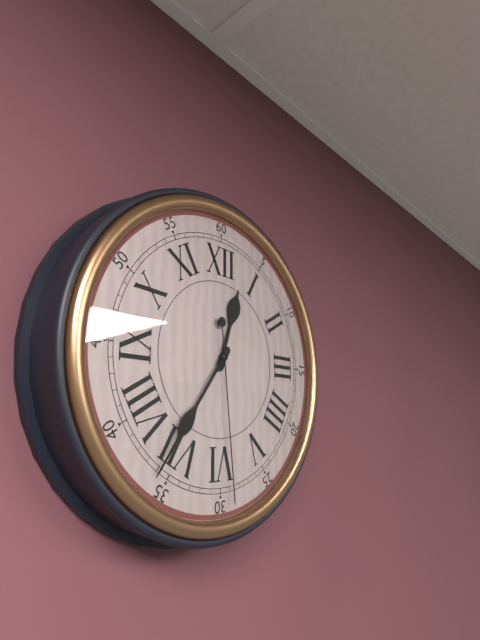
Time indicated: 12:36:29
